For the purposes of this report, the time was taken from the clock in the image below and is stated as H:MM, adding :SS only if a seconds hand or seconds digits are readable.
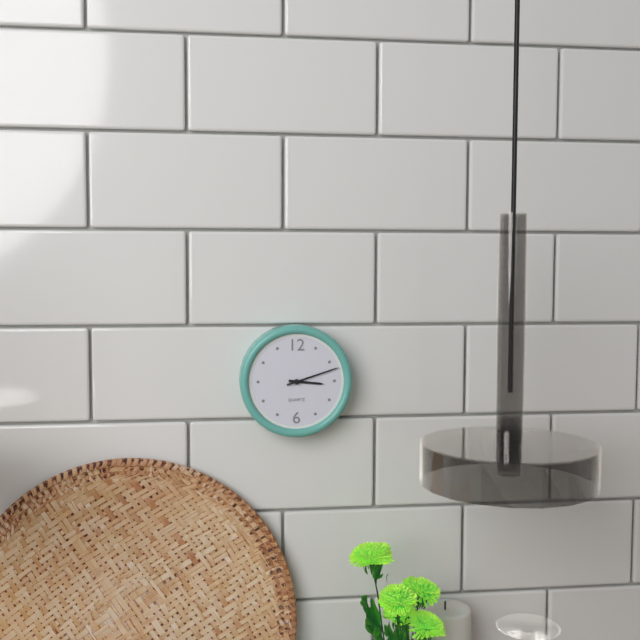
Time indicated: 3:12
